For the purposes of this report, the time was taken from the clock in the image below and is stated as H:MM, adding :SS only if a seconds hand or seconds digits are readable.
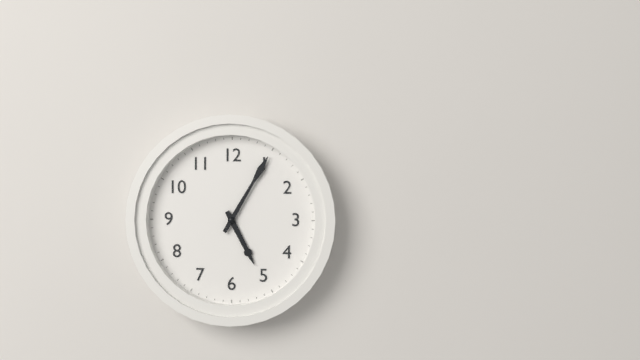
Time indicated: 5:05
